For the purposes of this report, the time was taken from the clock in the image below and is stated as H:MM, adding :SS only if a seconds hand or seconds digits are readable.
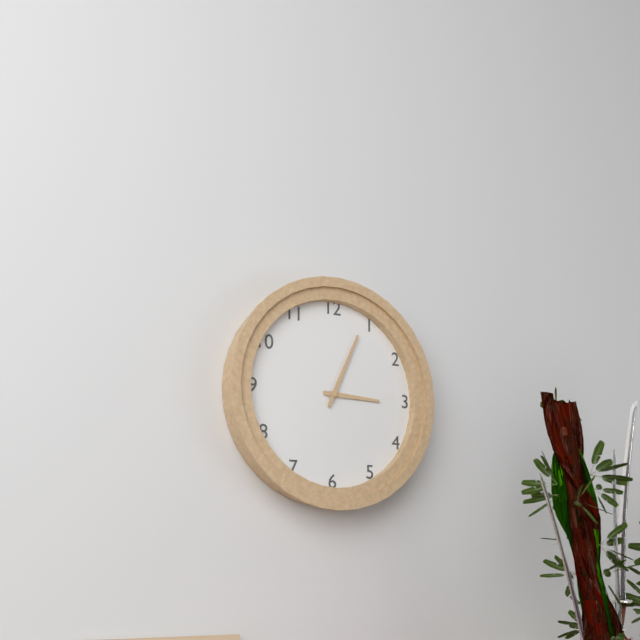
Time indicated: 3:04
